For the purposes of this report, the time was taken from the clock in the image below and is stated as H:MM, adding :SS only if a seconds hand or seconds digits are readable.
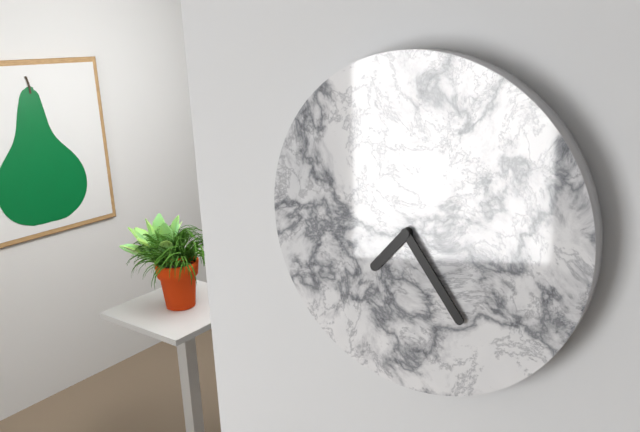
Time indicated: 7:24
